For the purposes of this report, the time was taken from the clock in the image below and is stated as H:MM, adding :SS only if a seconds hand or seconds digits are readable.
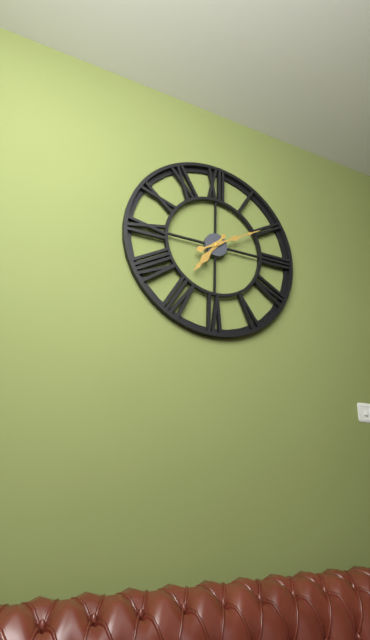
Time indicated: 7:10
